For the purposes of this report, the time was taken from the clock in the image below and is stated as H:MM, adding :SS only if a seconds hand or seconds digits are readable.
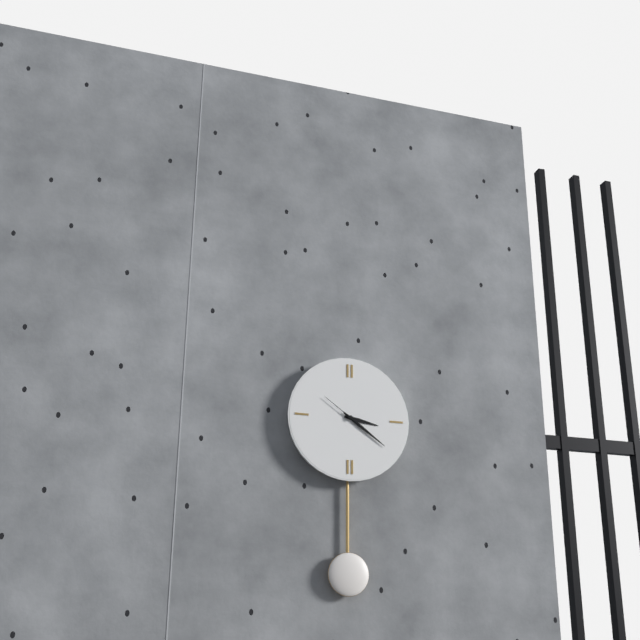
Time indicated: 3:21
